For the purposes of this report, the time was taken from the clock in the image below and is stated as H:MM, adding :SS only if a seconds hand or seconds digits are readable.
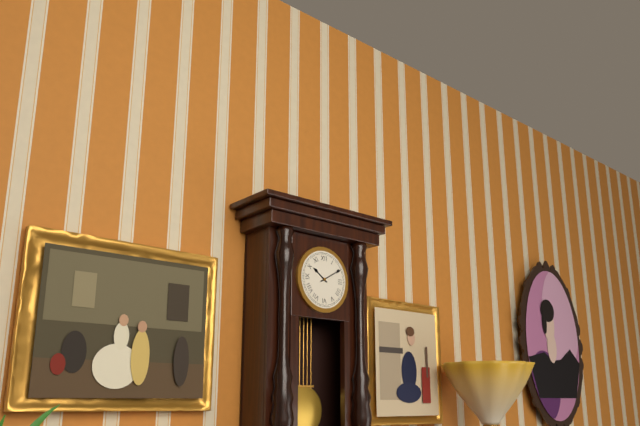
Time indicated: 10:10
